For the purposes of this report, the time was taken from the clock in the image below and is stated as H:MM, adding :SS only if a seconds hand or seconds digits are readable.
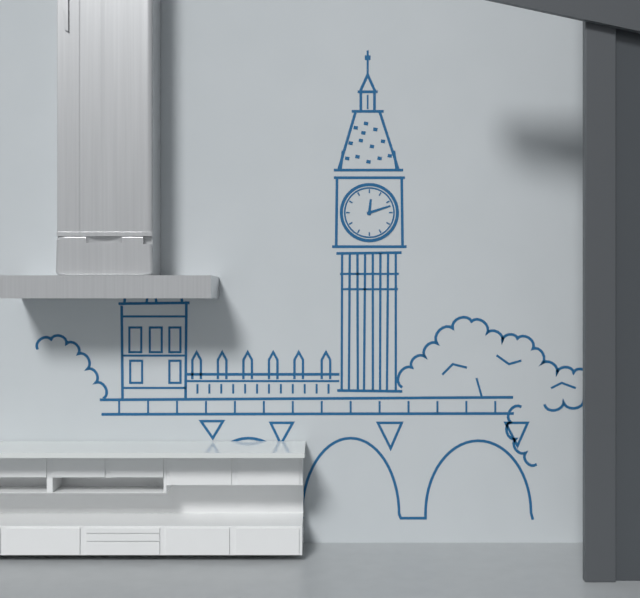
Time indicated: 12:12
